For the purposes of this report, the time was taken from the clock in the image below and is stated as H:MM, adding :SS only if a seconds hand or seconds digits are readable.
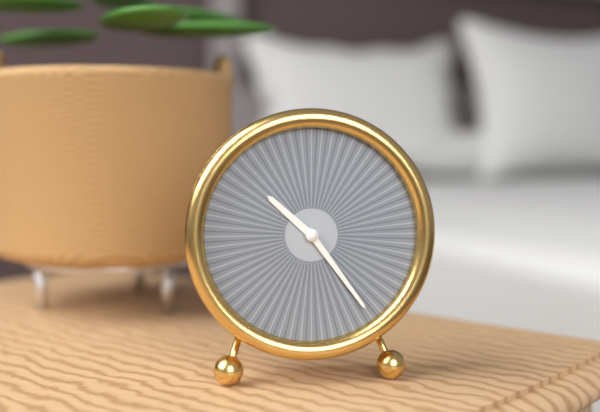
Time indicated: 10:24
